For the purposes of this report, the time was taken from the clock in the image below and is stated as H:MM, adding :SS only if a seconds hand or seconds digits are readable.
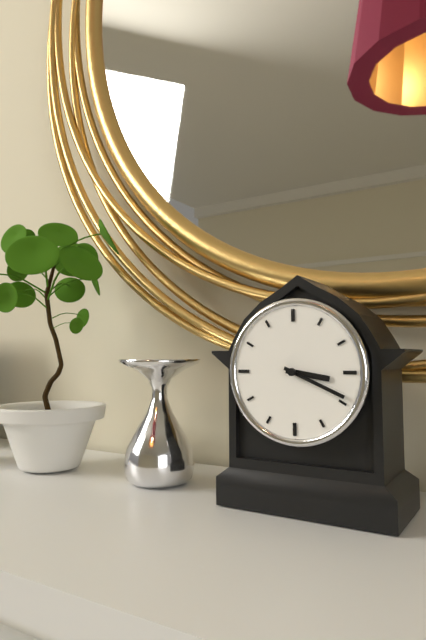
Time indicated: 3:19
